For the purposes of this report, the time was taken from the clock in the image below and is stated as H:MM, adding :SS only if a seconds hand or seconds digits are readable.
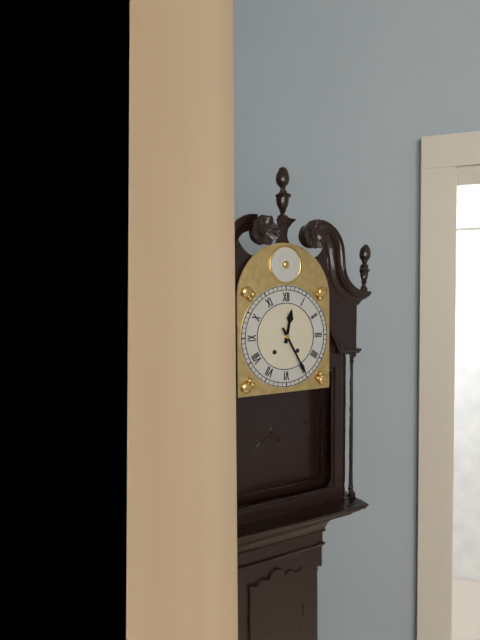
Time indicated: 12:25
